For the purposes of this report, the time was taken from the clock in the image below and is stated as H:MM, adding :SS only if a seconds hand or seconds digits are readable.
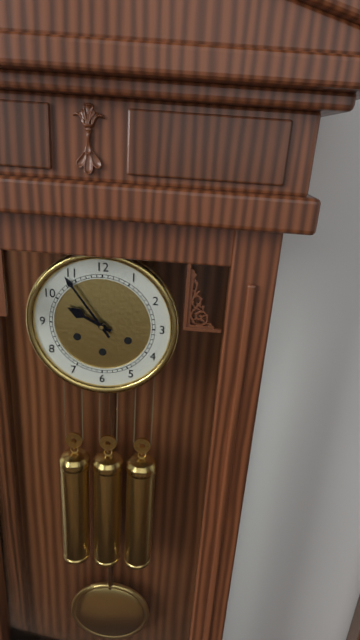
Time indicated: 9:54
